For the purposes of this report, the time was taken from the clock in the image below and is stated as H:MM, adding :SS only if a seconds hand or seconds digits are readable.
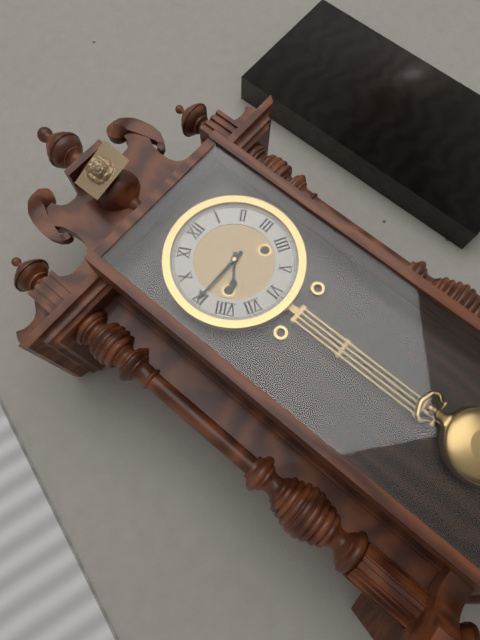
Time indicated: 7:45
